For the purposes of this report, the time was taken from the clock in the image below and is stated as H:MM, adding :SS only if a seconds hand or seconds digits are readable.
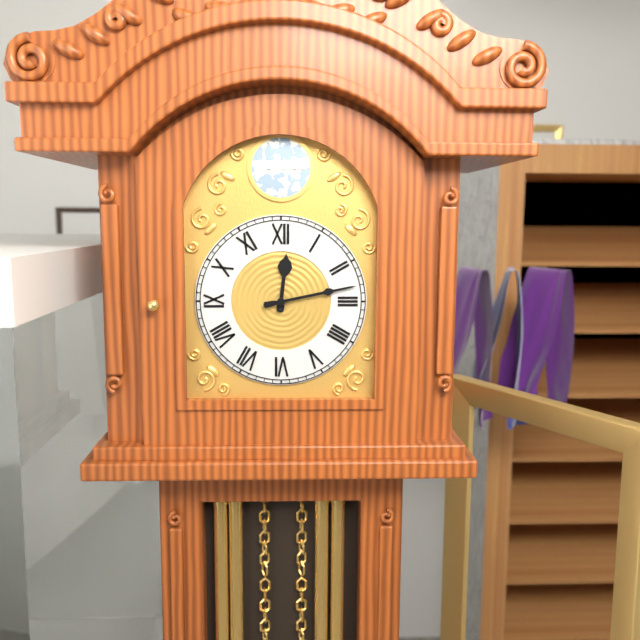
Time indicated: 12:13
